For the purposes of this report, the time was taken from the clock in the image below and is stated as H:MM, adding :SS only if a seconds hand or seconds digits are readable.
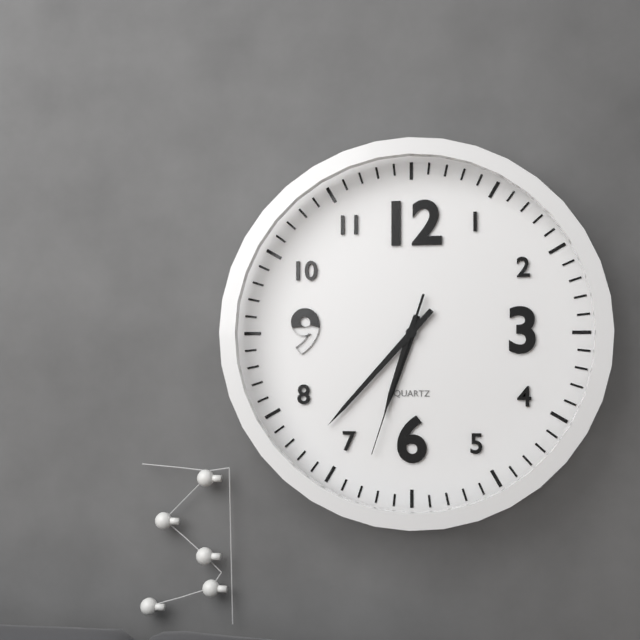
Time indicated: 6:37:33
